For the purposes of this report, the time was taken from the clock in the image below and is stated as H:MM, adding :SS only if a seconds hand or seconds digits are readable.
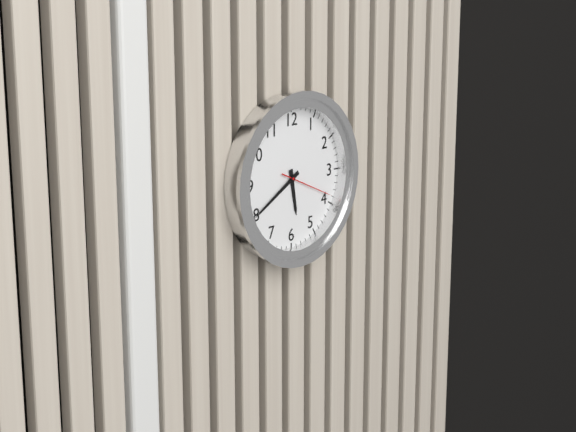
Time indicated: 5:40:19
